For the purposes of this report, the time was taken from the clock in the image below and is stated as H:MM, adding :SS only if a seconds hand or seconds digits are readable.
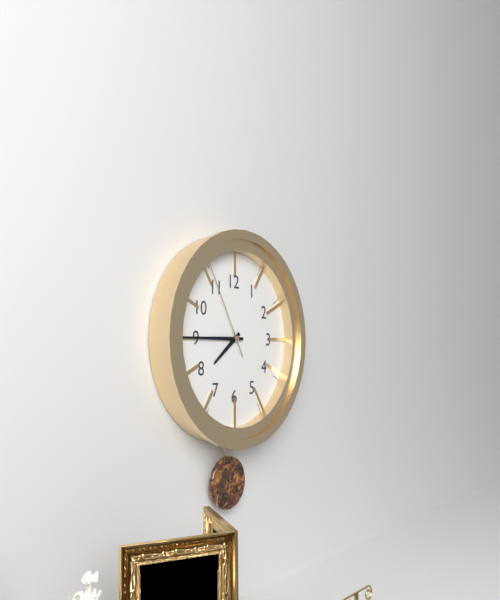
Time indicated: 7:45:55
